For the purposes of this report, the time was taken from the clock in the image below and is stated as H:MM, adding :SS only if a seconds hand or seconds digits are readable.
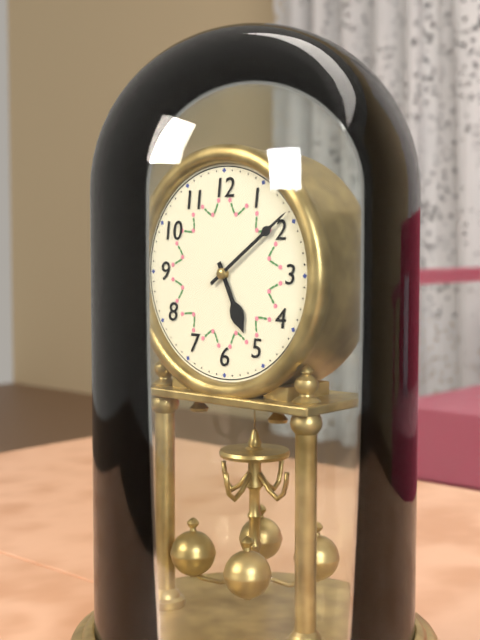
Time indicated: 5:09
